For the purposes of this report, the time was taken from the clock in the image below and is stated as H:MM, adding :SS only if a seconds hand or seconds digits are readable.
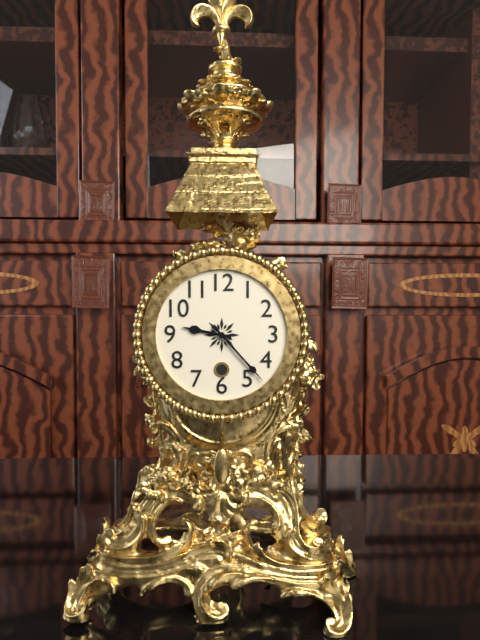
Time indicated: 9:23
